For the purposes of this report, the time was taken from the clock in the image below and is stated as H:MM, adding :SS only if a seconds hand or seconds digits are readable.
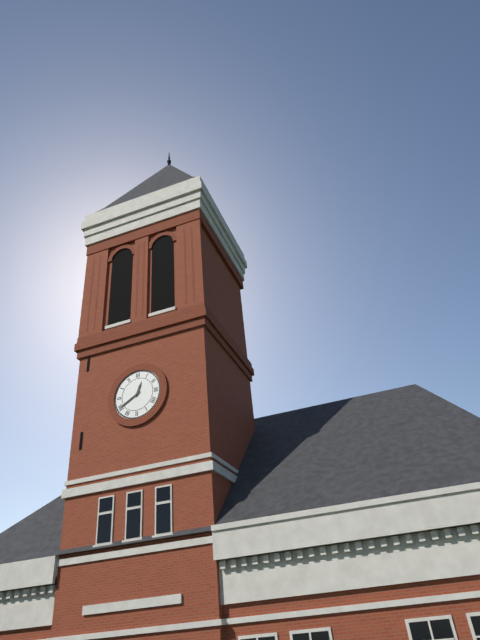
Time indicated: 12:40
